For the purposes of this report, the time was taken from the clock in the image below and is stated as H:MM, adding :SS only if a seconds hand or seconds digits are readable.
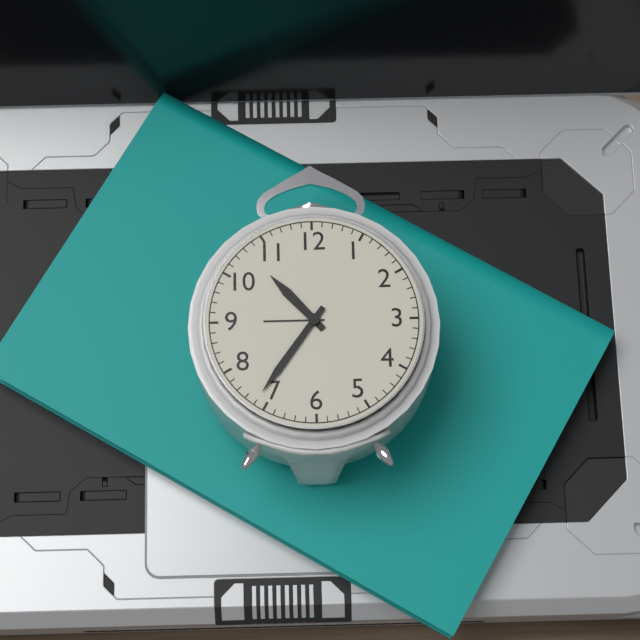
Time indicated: 10:36
